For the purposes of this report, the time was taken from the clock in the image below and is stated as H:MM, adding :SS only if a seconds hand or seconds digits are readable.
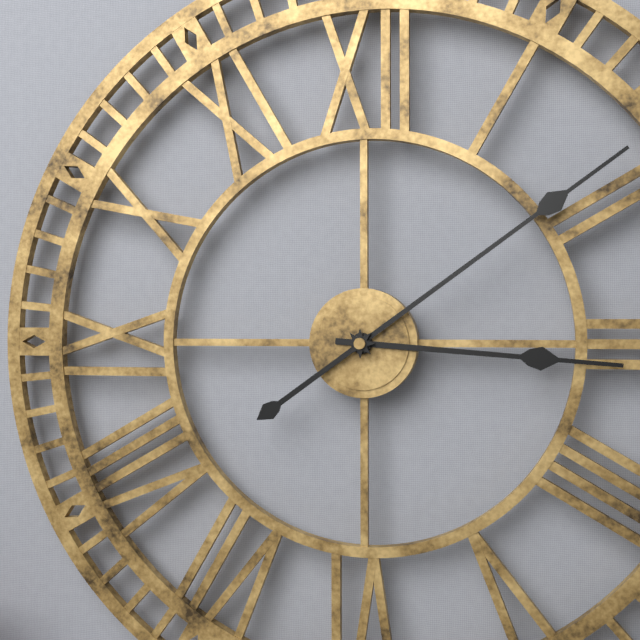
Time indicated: 3:09
